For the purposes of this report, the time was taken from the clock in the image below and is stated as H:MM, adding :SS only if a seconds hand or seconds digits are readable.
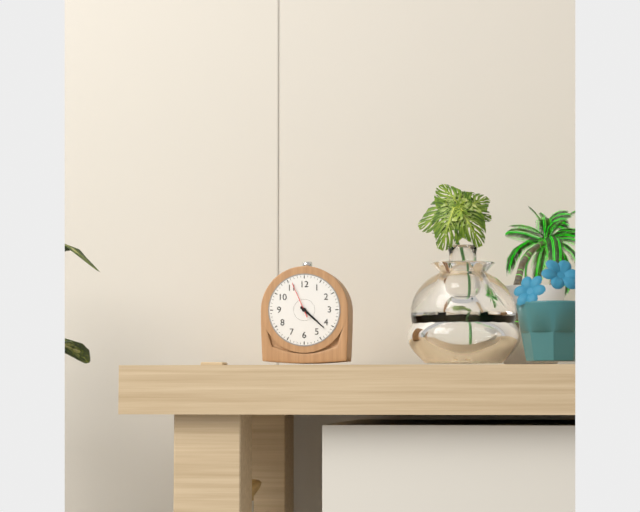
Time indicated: 4:22
